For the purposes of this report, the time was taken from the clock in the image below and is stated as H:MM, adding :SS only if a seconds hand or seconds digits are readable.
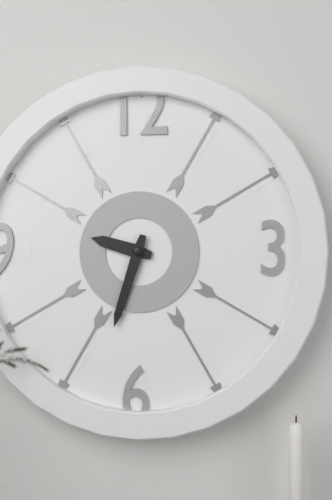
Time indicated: 9:33
